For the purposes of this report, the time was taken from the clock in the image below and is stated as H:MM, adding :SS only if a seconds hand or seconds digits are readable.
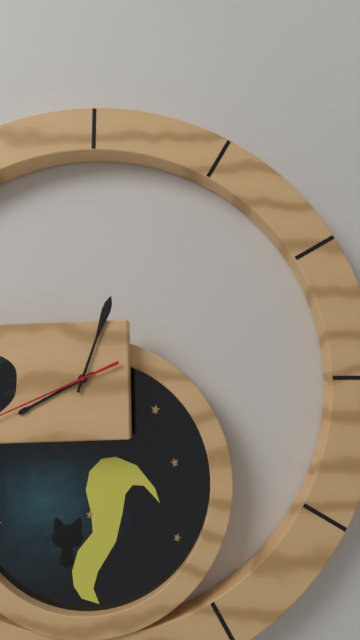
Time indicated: 8:03
